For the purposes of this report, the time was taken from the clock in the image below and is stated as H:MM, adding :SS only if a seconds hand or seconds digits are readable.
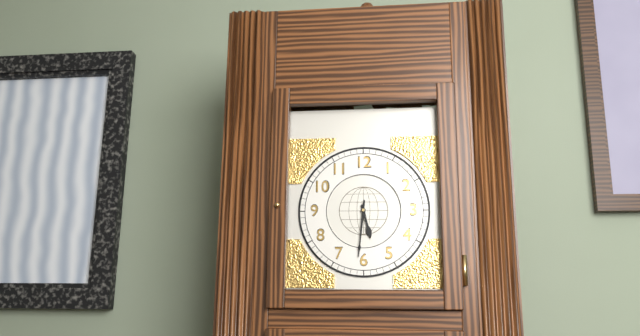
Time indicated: 5:31
